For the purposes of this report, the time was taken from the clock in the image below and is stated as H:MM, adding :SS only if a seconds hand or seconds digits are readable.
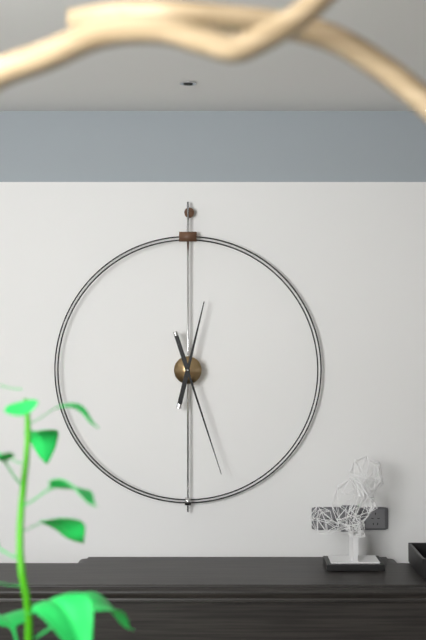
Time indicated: 12:27
